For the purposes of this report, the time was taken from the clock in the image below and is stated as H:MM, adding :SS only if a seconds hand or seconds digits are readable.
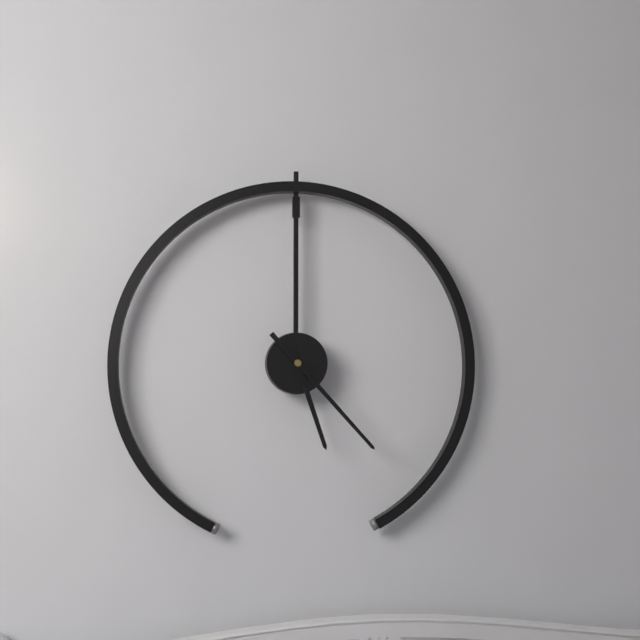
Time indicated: 5:23
